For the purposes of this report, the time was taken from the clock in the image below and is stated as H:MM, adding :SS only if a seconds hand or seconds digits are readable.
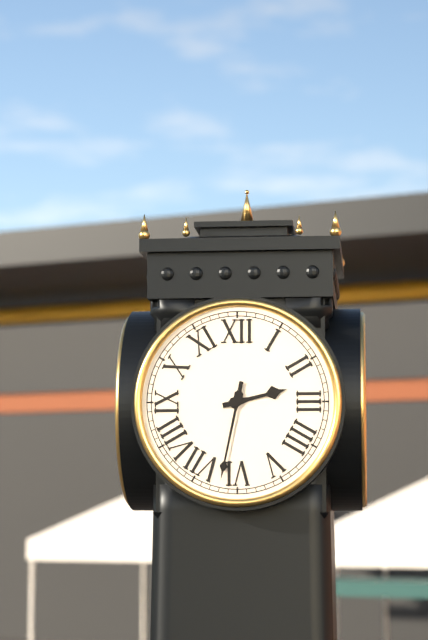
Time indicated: 2:32
